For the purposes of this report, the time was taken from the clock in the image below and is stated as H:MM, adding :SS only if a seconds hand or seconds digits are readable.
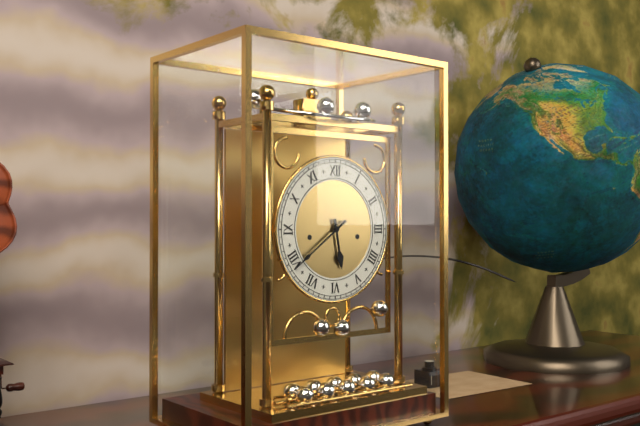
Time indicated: 5:39
